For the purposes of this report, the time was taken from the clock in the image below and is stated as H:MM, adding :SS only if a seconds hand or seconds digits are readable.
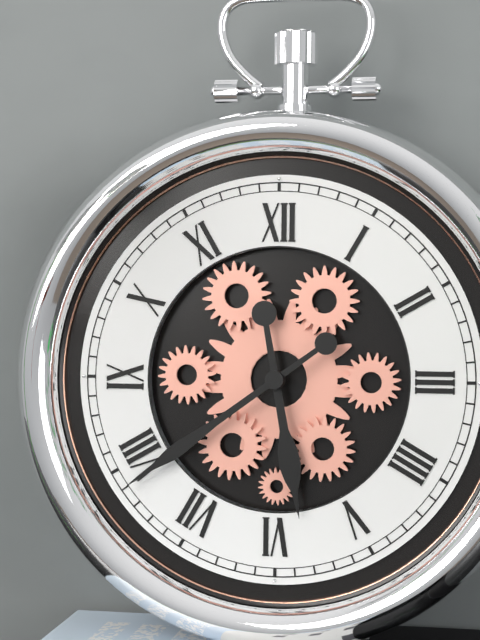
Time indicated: 5:39
